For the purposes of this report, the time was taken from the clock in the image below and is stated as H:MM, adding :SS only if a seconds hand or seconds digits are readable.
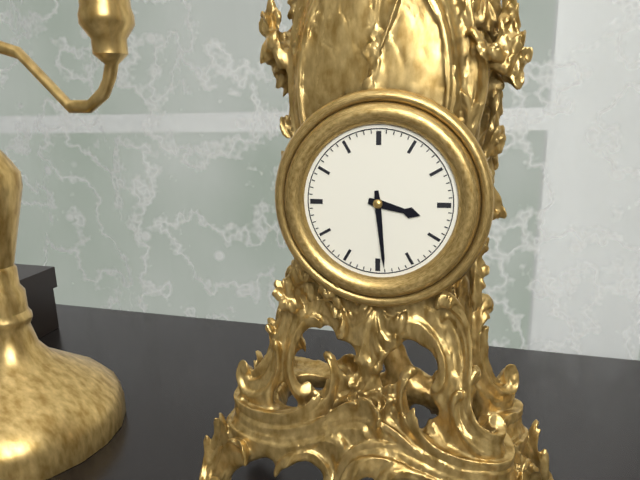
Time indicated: 3:29
